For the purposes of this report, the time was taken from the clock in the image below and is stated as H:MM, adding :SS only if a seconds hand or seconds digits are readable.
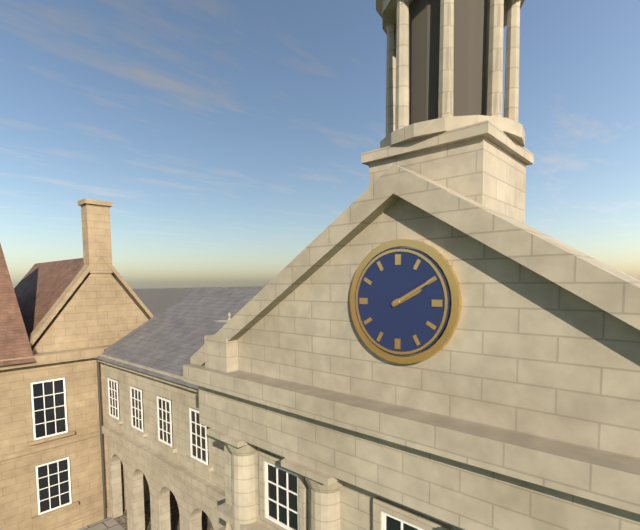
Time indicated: 2:10
